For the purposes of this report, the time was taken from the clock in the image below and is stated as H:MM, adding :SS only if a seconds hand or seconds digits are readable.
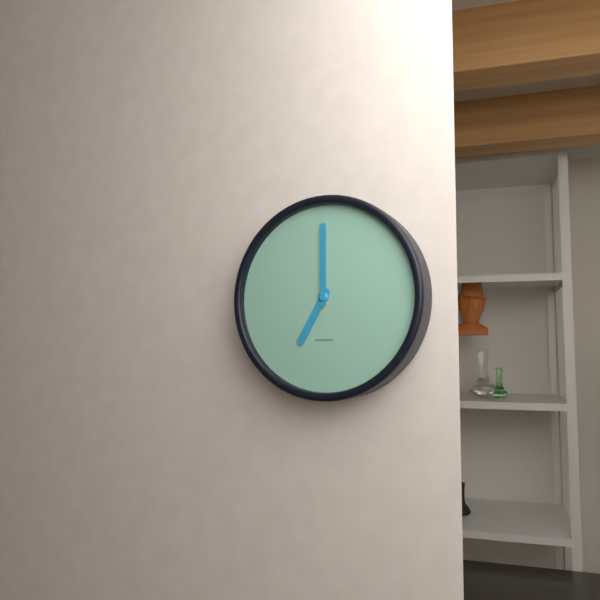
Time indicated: 7:00
